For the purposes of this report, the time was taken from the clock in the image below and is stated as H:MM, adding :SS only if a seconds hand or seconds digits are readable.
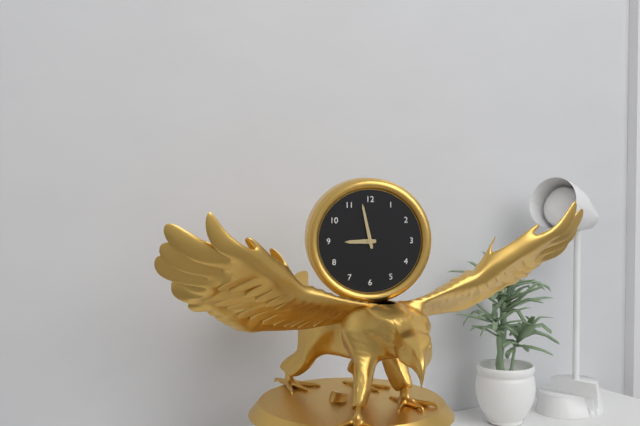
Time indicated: 8:58
